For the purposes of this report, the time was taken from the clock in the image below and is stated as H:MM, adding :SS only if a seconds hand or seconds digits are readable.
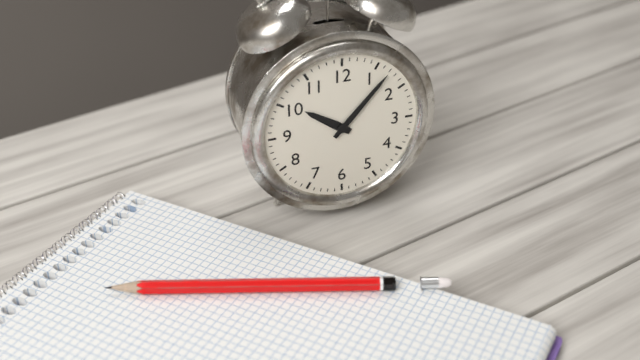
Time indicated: 10:07
